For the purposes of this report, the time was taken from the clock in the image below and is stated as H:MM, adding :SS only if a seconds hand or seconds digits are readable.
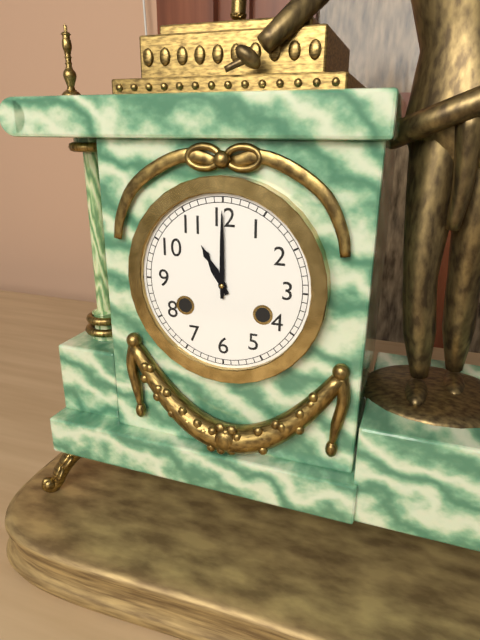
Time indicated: 11:00
